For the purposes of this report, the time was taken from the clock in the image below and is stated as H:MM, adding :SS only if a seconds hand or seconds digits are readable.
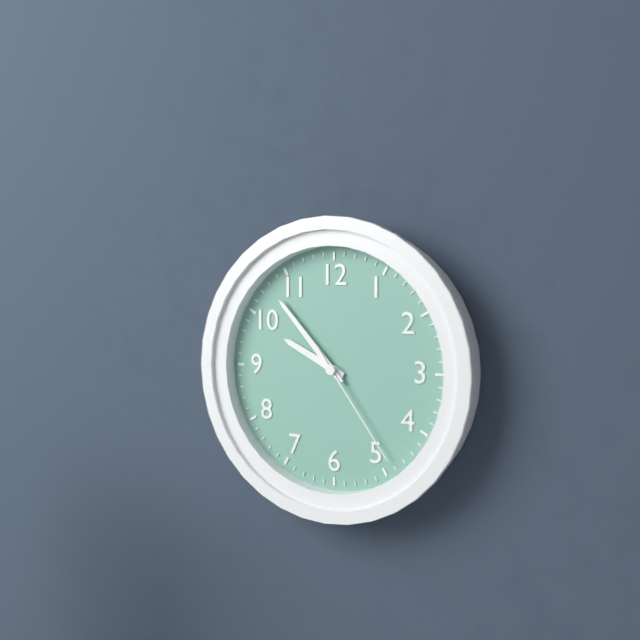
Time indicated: 9:53:24
